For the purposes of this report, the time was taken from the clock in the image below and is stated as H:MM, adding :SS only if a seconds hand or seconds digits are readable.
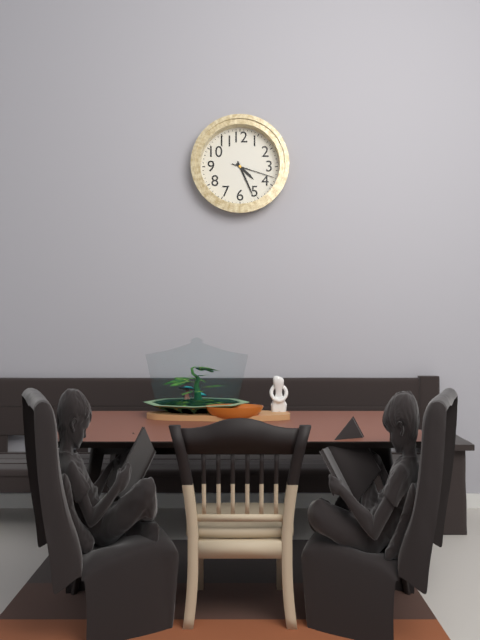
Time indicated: 4:26
